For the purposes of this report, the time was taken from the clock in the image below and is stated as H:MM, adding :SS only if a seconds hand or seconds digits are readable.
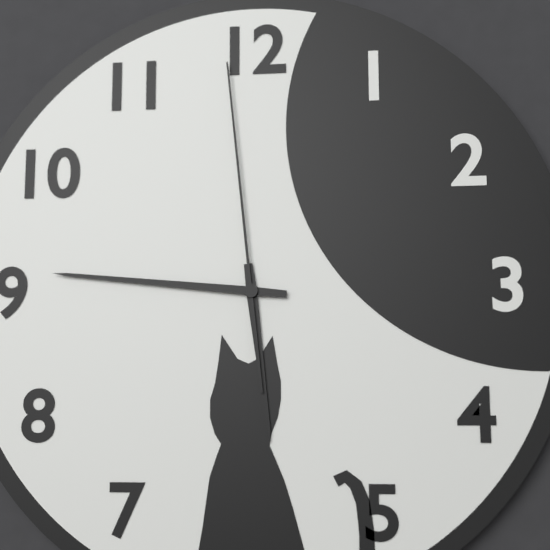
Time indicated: 5:46:59
